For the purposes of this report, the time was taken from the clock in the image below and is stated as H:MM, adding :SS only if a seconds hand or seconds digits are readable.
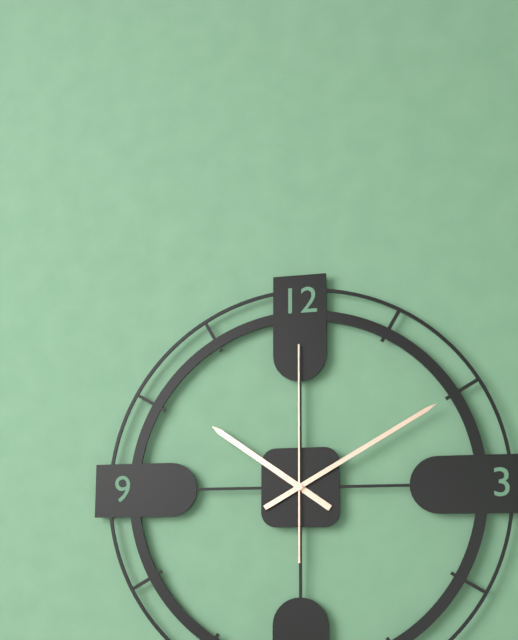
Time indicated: 10:10:00
